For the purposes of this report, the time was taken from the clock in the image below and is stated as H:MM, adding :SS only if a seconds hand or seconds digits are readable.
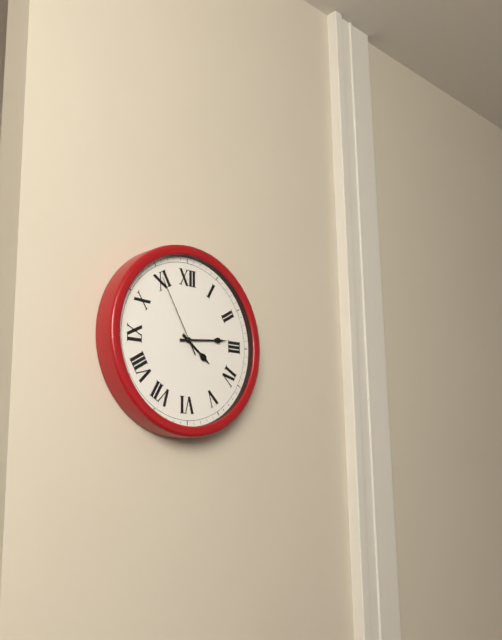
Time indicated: 4:14:55
